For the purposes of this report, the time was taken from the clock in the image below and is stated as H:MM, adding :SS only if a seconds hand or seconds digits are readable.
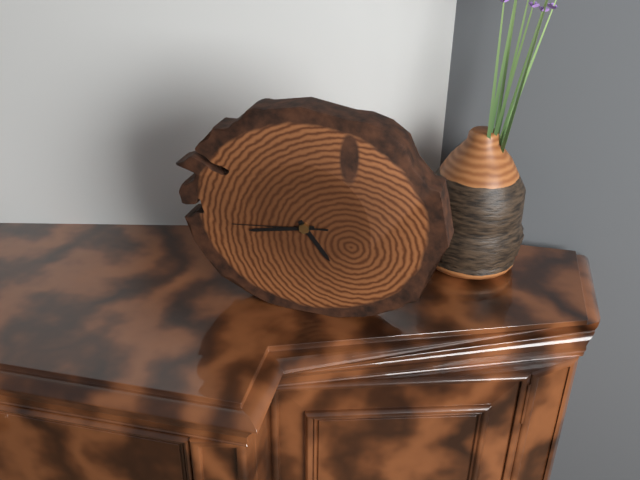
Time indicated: 4:43:44
